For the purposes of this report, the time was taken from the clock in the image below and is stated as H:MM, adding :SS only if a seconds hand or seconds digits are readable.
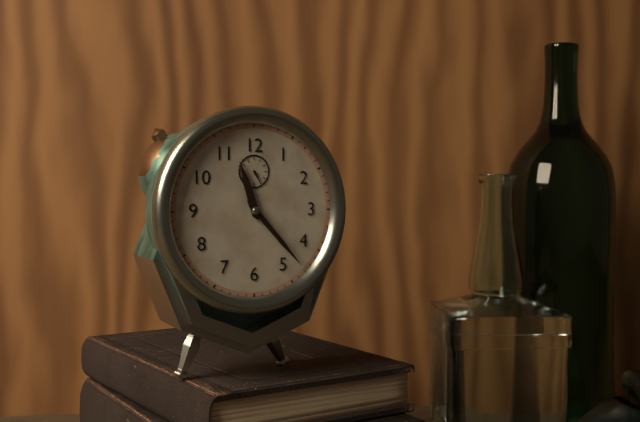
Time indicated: 11:23
